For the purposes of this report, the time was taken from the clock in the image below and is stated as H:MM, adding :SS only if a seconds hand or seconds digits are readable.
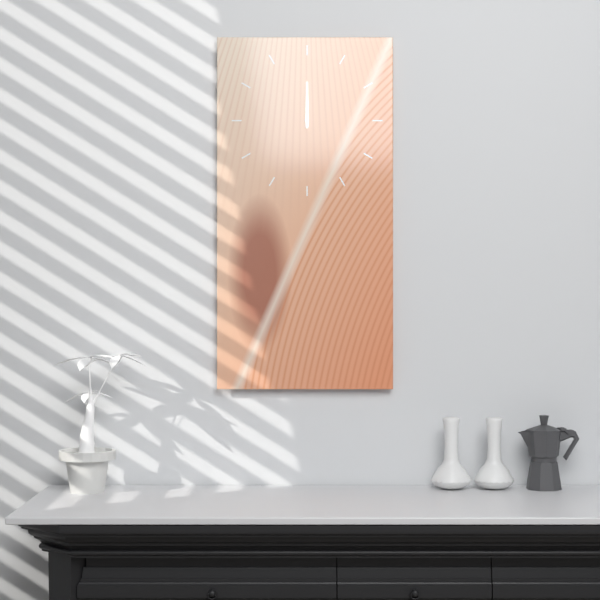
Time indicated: 12:00
